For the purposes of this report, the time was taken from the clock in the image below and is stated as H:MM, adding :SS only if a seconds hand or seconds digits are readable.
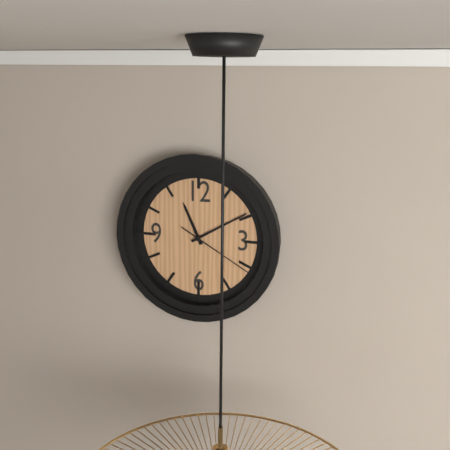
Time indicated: 11:10:20
